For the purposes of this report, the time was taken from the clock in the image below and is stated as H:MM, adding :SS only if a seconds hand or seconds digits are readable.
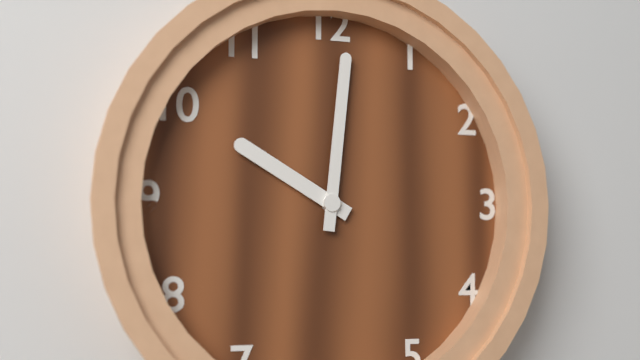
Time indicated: 10:01
